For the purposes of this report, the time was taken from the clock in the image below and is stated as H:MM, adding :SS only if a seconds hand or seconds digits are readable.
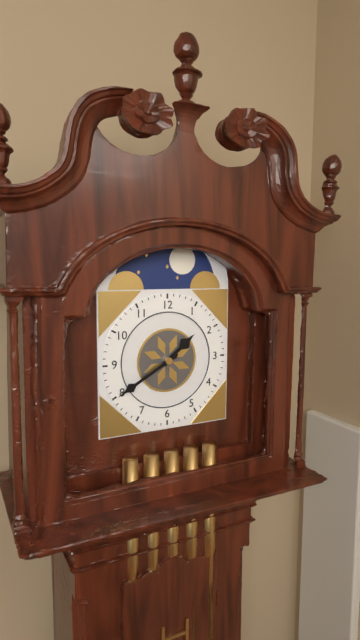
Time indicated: 1:40
